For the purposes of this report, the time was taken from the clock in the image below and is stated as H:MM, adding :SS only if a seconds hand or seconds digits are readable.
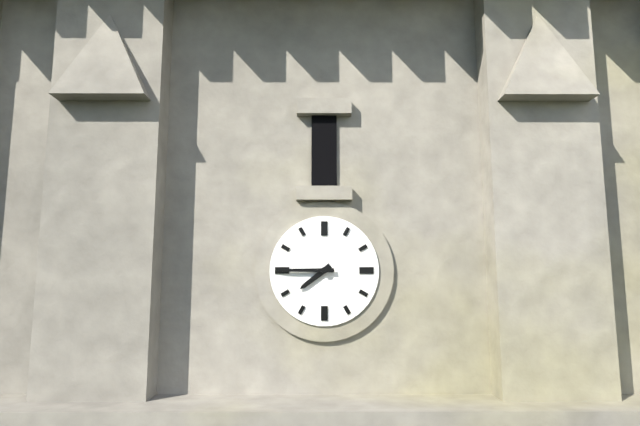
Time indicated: 7:45
